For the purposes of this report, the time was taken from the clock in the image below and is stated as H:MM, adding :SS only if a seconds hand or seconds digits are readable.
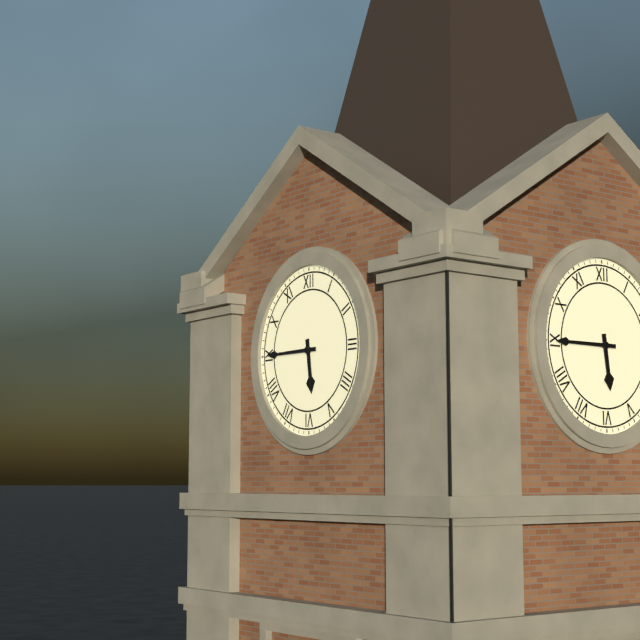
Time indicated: 5:45
